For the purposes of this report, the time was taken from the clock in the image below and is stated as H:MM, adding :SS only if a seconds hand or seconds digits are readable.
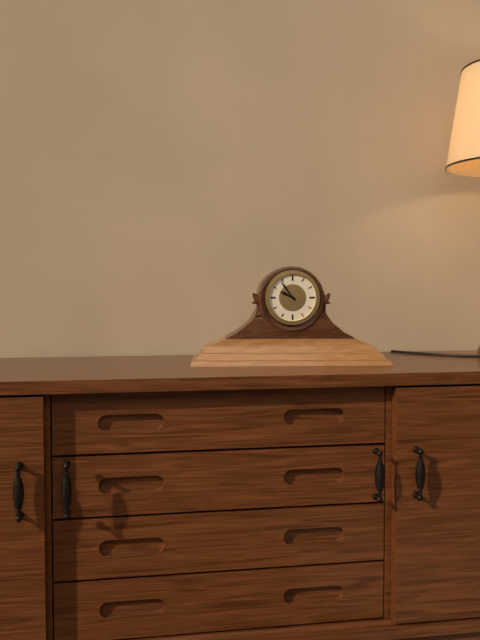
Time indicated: 9:54
